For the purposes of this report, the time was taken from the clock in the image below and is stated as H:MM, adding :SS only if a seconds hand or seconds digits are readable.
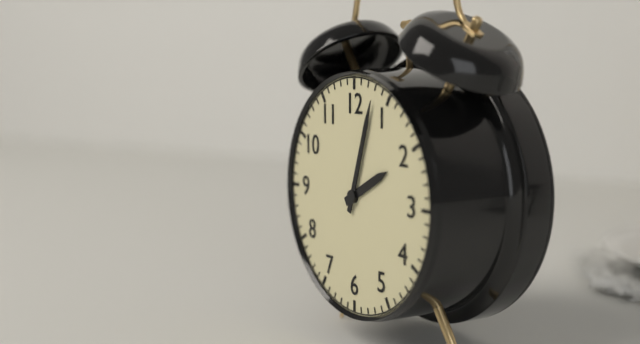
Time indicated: 2:03
